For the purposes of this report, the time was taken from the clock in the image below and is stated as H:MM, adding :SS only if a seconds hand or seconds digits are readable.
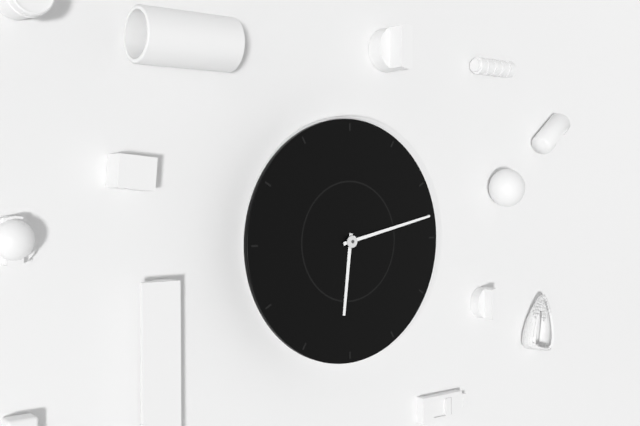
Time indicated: 6:13
